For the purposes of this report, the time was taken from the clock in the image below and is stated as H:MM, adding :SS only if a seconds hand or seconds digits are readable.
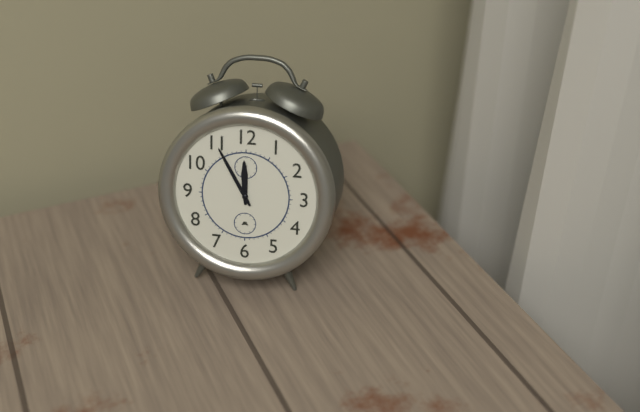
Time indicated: 11:55
